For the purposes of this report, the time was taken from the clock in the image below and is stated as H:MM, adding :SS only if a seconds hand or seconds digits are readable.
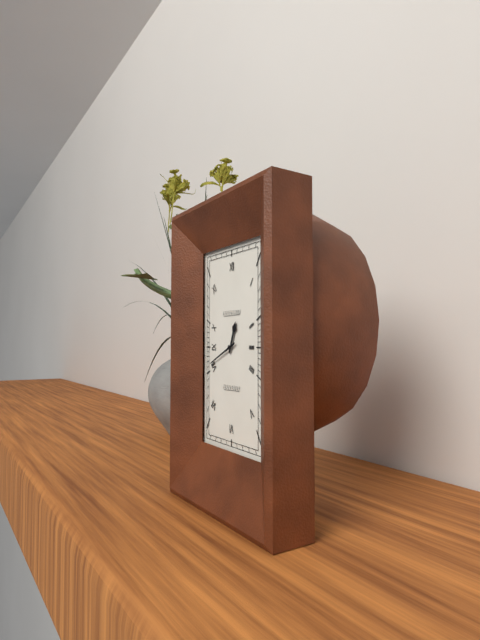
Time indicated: 12:41
